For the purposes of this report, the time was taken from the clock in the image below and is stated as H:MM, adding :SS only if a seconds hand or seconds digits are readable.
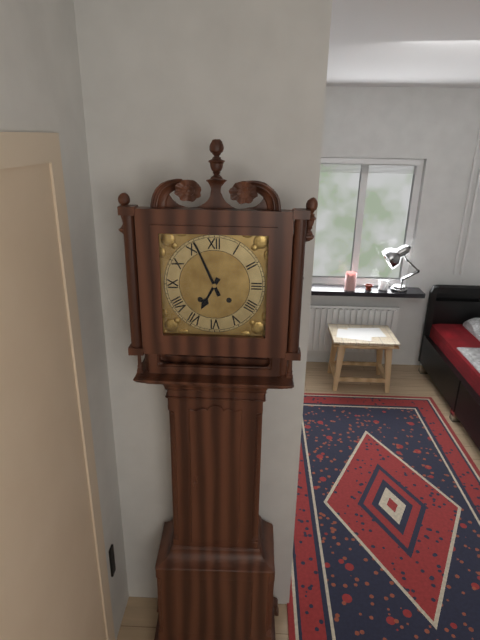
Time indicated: 6:56
